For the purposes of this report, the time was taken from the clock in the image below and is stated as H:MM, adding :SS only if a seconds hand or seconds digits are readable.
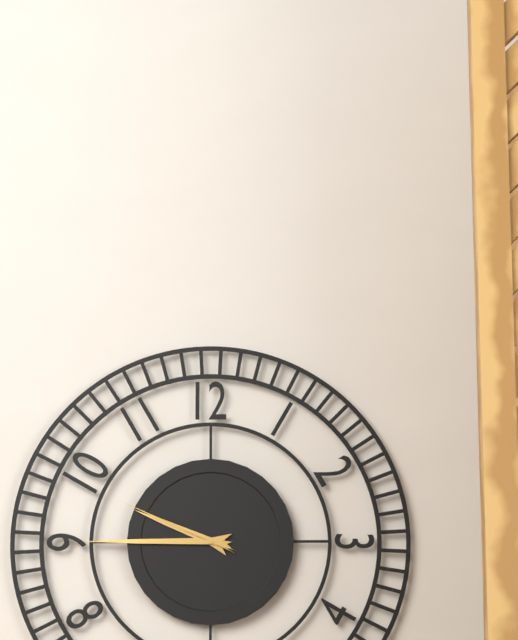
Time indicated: 9:45:49
